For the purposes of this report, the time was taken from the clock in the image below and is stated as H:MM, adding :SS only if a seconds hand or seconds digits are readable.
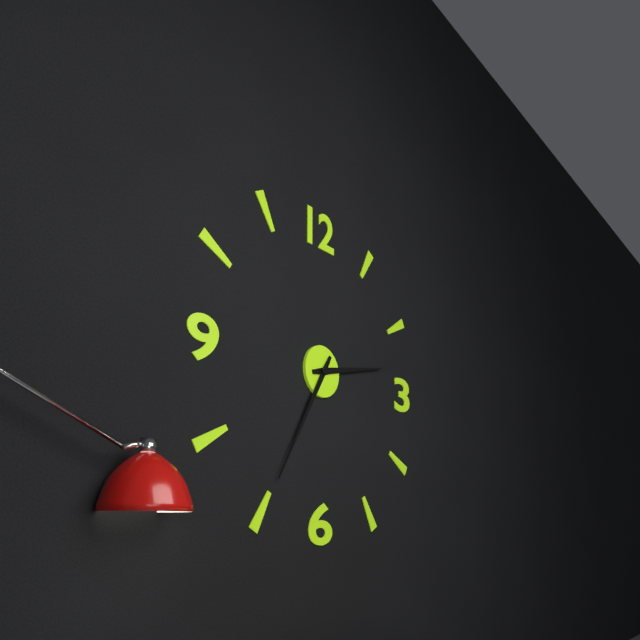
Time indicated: 2:35
